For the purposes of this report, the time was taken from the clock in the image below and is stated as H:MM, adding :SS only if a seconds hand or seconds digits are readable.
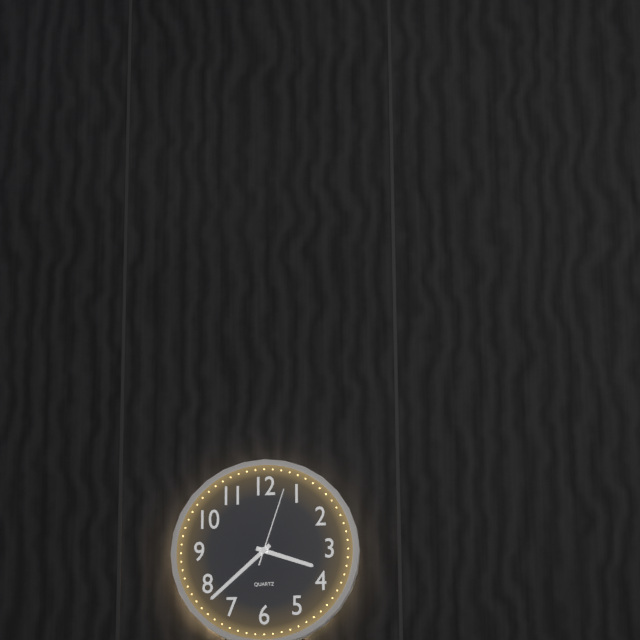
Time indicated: 3:38:03
